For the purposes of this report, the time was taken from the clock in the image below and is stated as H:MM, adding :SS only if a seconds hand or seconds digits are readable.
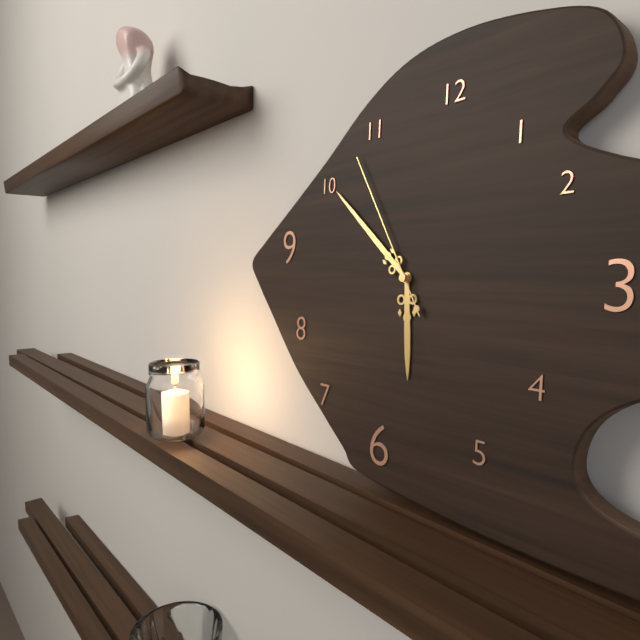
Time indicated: 5:52:55
